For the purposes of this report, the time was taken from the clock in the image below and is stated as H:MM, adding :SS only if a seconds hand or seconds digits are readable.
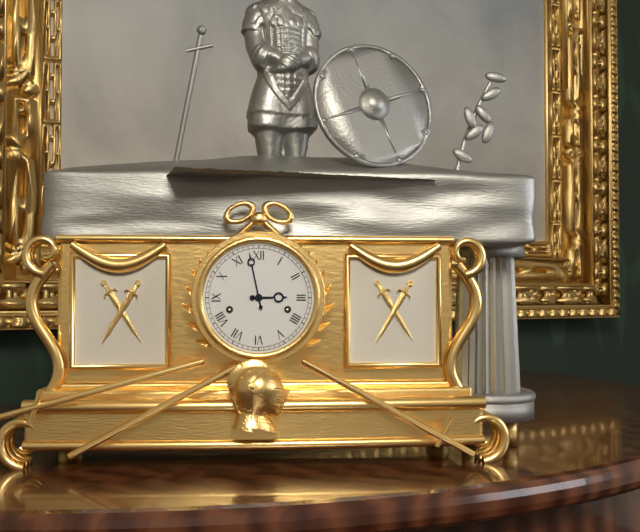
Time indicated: 2:58
